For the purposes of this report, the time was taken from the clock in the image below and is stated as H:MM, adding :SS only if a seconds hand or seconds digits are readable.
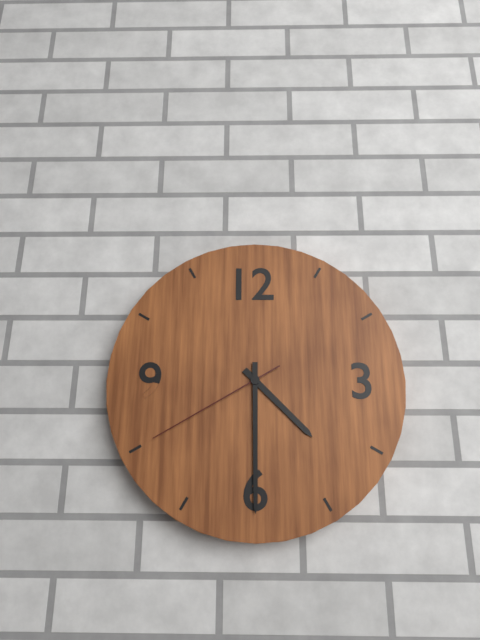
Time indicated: 4:30:40
